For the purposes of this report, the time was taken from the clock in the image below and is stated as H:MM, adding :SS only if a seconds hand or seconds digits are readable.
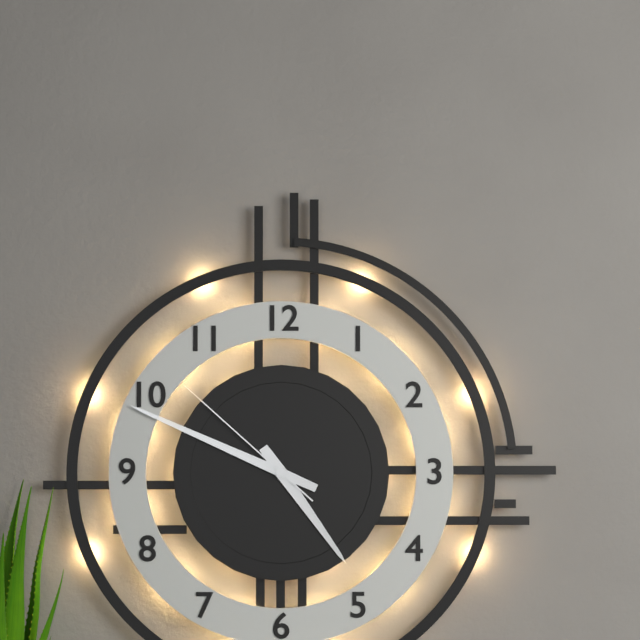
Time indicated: 4:49:52
